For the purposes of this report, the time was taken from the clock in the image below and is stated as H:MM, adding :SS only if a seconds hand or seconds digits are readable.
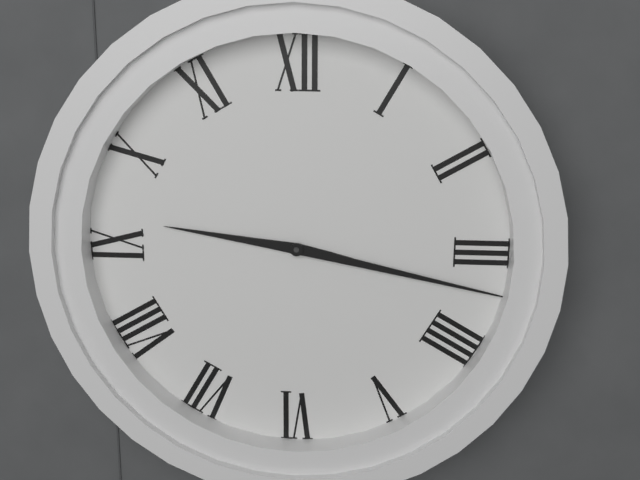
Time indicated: 9:17
